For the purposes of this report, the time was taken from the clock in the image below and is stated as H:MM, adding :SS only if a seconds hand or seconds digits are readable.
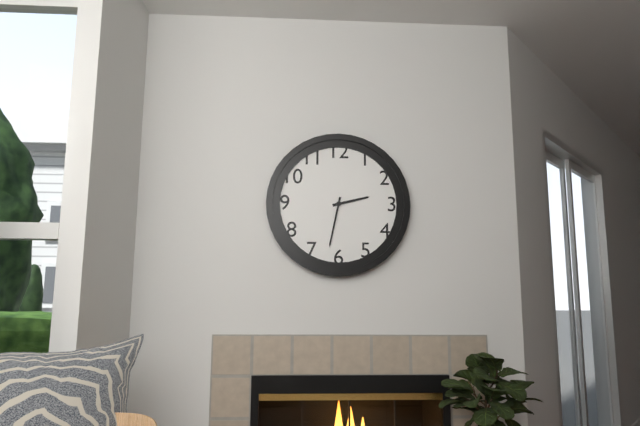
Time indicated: 2:32
